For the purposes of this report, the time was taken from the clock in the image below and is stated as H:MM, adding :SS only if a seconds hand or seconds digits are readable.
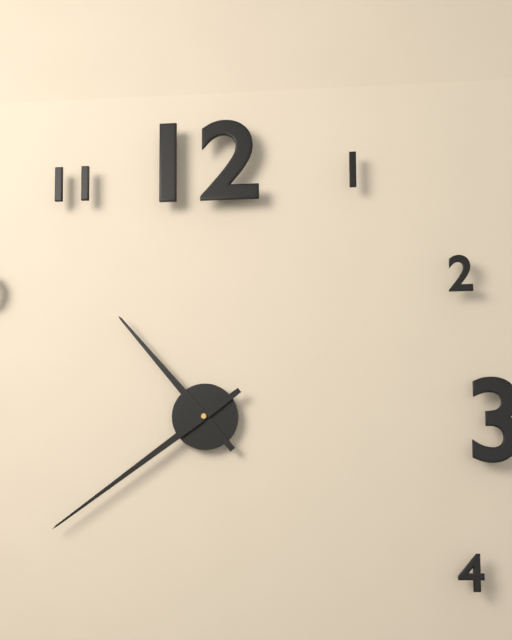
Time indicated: 10:39
